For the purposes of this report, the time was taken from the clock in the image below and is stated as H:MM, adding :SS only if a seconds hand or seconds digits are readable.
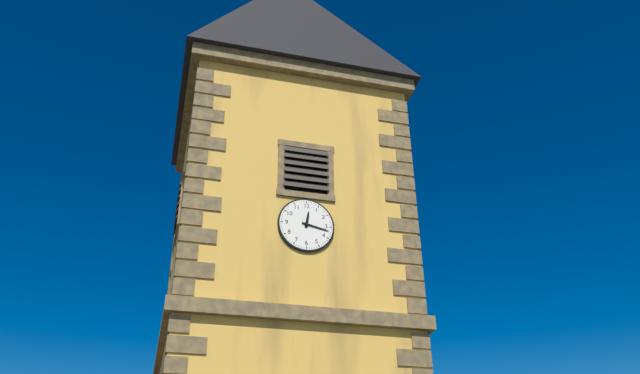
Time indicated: 12:17
